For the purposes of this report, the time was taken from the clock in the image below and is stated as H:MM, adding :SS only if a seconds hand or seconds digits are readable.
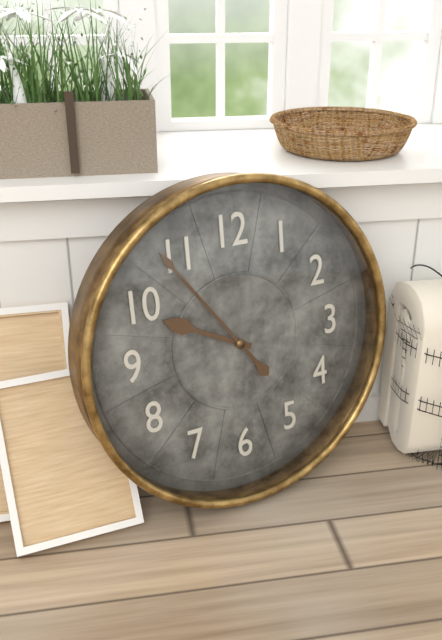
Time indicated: 9:54
